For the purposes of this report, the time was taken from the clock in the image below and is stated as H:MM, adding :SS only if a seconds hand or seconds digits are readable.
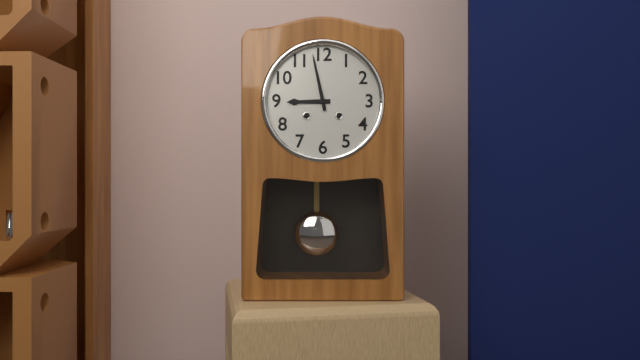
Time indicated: 8:58
